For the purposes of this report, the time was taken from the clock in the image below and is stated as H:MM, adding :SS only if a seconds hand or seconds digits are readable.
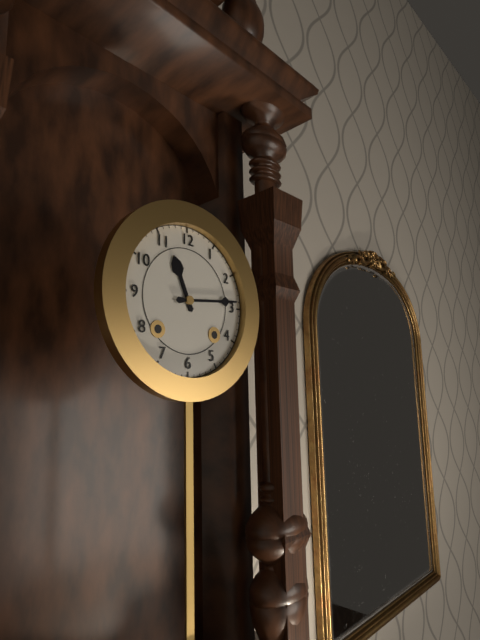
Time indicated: 11:14
